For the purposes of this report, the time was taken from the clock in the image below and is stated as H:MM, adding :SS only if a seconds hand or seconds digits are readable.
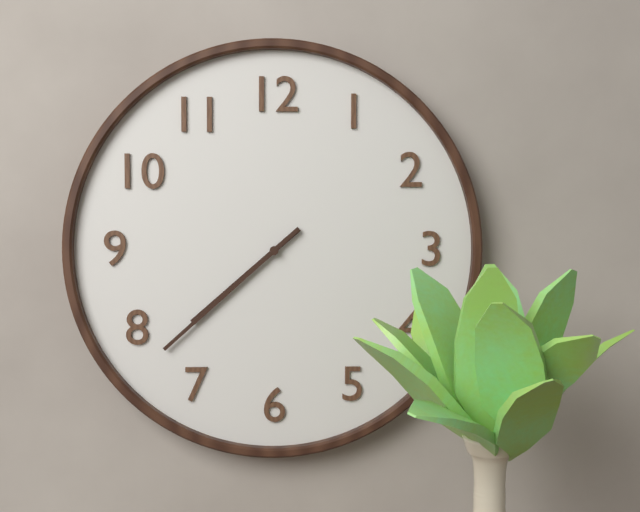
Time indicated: 7:38
